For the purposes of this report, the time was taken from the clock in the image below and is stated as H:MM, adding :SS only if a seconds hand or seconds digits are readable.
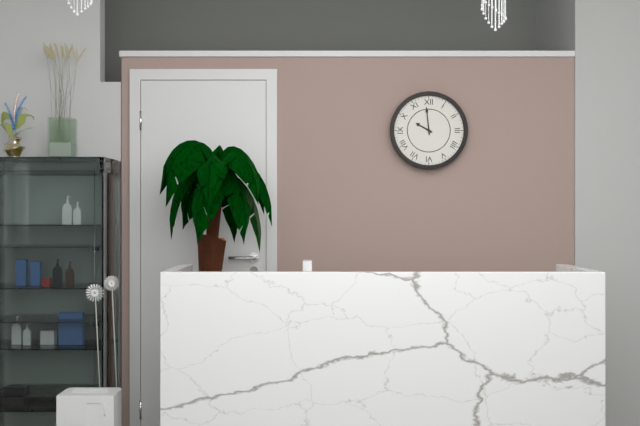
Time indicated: 9:59
